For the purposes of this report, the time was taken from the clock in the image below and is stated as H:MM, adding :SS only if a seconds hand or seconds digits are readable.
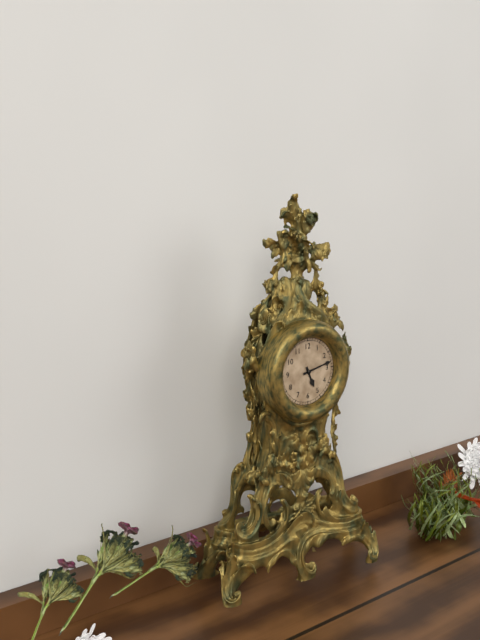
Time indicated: 5:13
